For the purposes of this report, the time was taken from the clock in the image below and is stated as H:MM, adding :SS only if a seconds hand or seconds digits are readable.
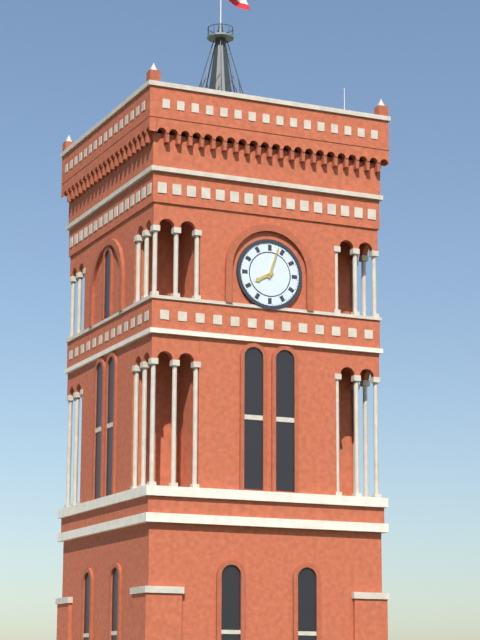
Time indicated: 8:03
